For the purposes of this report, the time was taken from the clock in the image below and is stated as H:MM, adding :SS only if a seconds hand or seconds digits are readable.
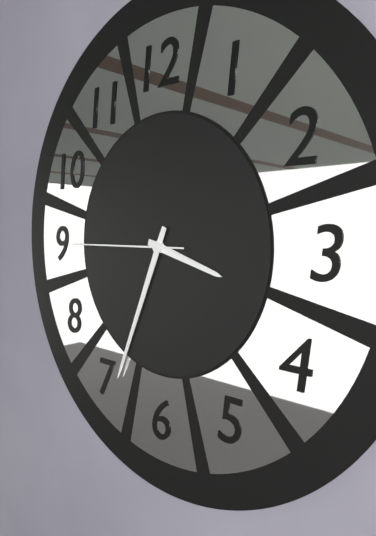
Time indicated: 3:34:45
